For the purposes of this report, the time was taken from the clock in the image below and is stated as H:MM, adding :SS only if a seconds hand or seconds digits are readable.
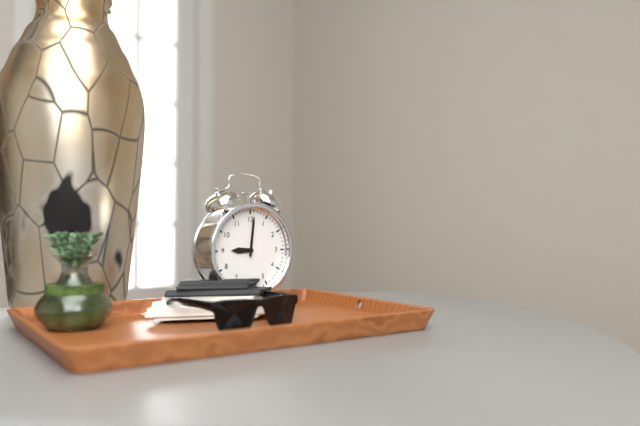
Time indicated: 9:01
